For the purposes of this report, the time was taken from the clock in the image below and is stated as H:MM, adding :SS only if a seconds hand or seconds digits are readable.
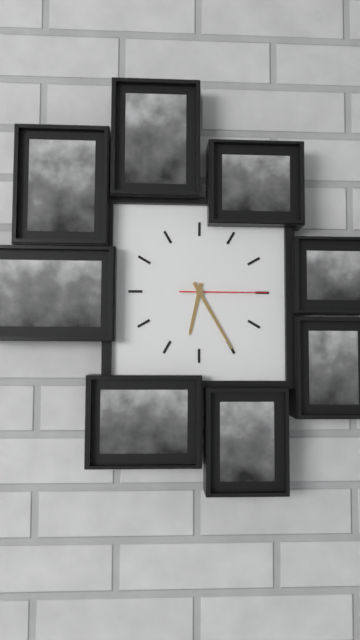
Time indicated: 6:25:15
